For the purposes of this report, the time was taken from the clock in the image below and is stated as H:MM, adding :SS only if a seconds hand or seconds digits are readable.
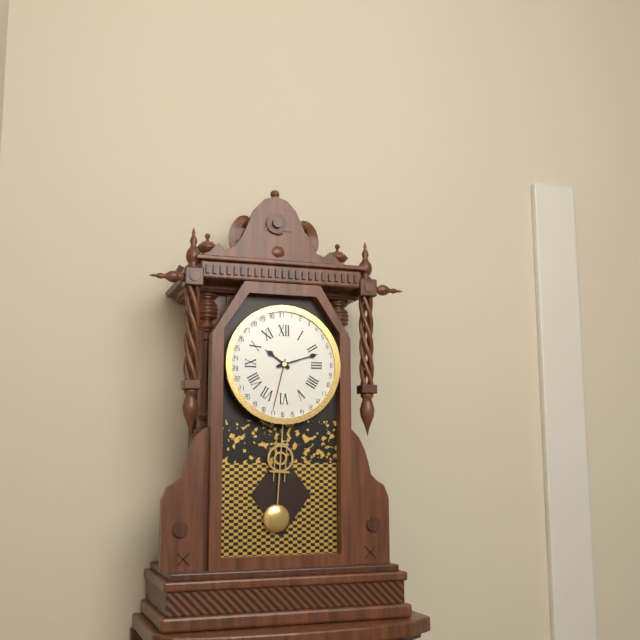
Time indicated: 10:12
